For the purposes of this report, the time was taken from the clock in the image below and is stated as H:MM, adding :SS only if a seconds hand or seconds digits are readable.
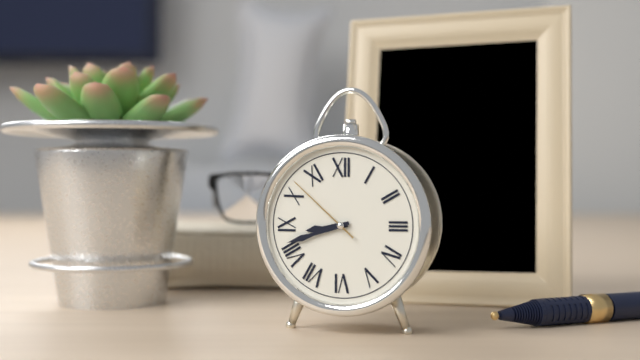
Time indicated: 8:42:52
